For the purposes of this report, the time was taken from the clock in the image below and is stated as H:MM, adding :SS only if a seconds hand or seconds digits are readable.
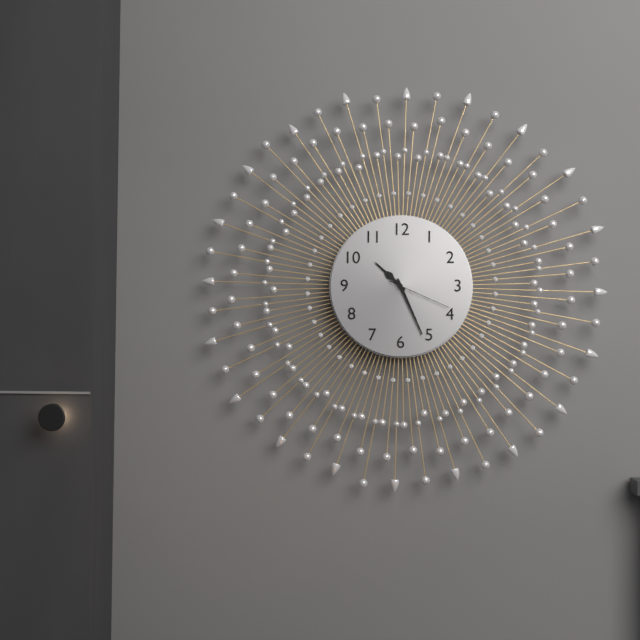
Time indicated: 10:26:19
